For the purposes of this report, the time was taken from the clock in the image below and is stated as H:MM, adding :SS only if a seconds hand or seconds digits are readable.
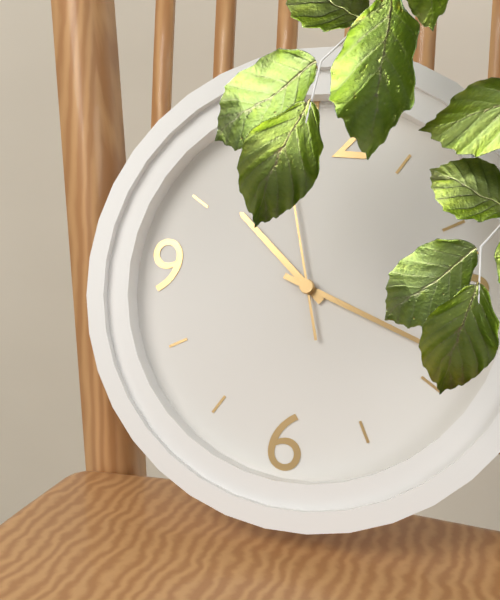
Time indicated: 10:18:57
